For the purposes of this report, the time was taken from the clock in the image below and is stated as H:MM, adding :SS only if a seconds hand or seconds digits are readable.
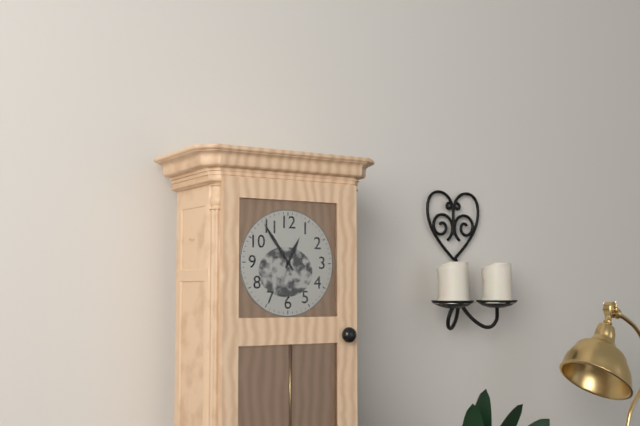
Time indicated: 12:54
